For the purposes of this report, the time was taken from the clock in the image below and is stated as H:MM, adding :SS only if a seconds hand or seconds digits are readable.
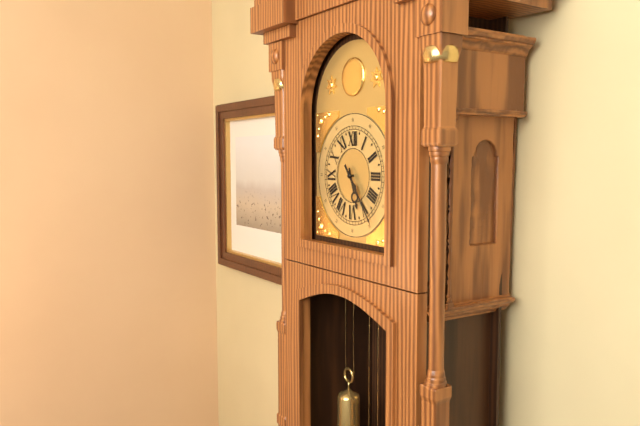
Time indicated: 5:24
